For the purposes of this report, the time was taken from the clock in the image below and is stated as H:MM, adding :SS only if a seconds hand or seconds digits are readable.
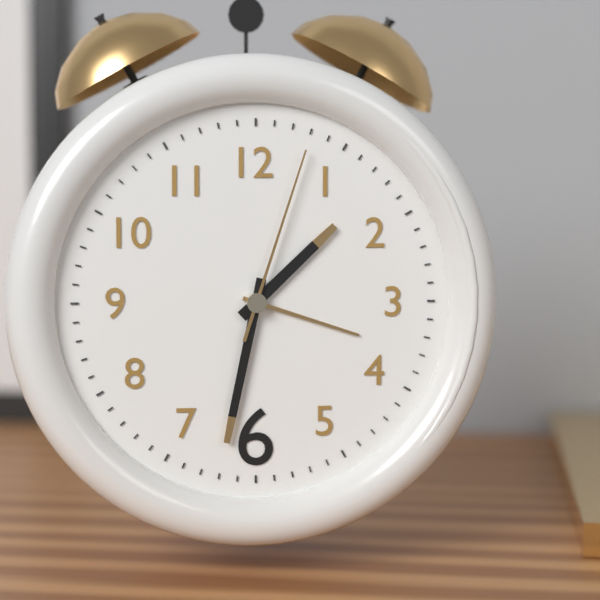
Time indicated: 1:32:03
